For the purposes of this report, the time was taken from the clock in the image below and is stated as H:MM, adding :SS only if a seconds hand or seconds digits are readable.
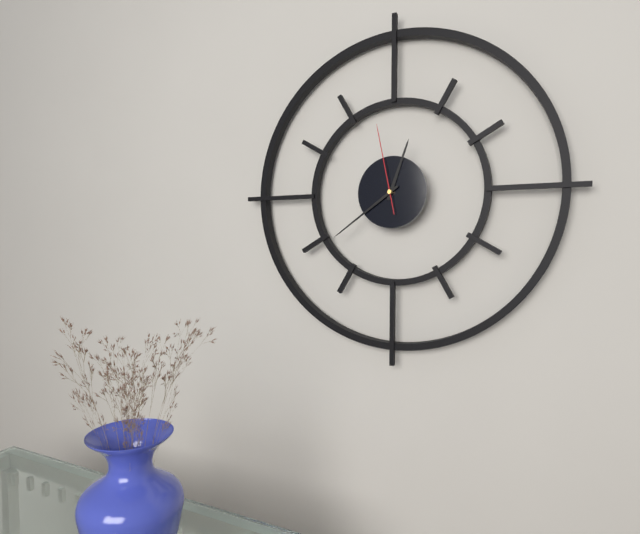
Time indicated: 12:39:58
